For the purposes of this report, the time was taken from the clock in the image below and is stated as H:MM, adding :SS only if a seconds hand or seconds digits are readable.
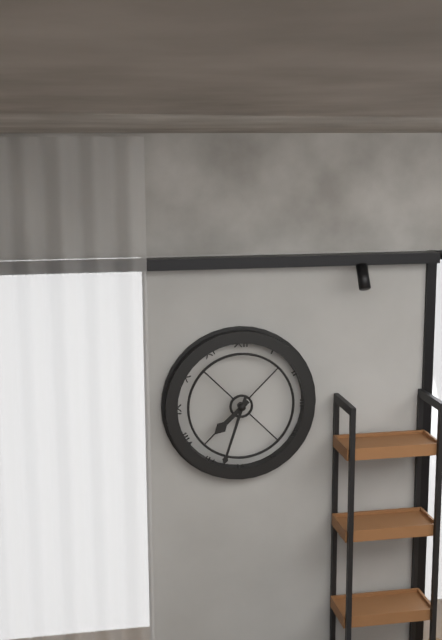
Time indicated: 7:33
